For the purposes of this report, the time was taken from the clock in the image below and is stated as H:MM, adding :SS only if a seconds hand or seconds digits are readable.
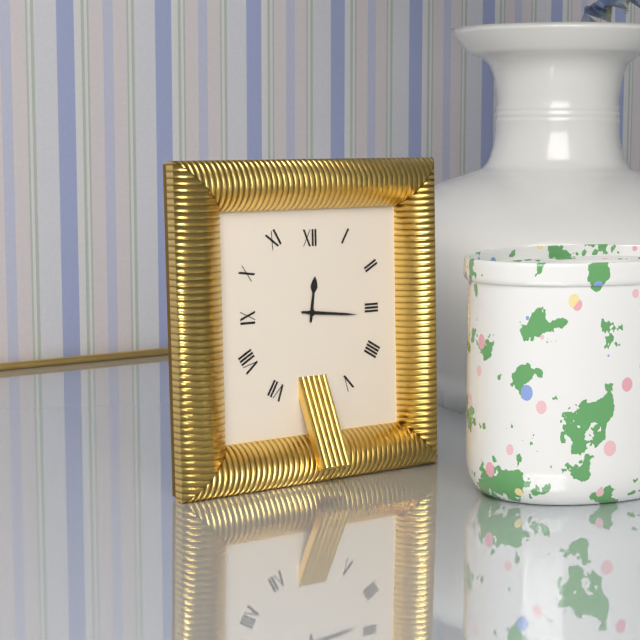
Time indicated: 12:16
